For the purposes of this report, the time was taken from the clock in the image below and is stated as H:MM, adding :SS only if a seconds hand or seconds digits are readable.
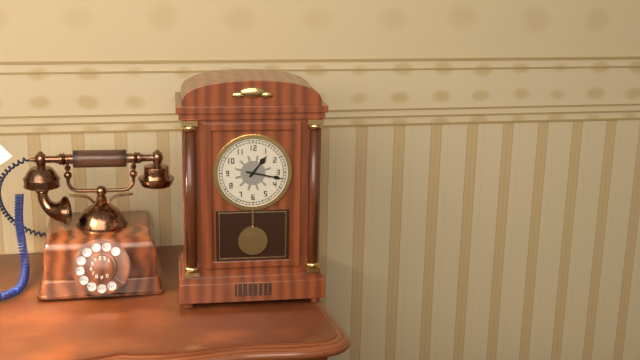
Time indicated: 1:17
